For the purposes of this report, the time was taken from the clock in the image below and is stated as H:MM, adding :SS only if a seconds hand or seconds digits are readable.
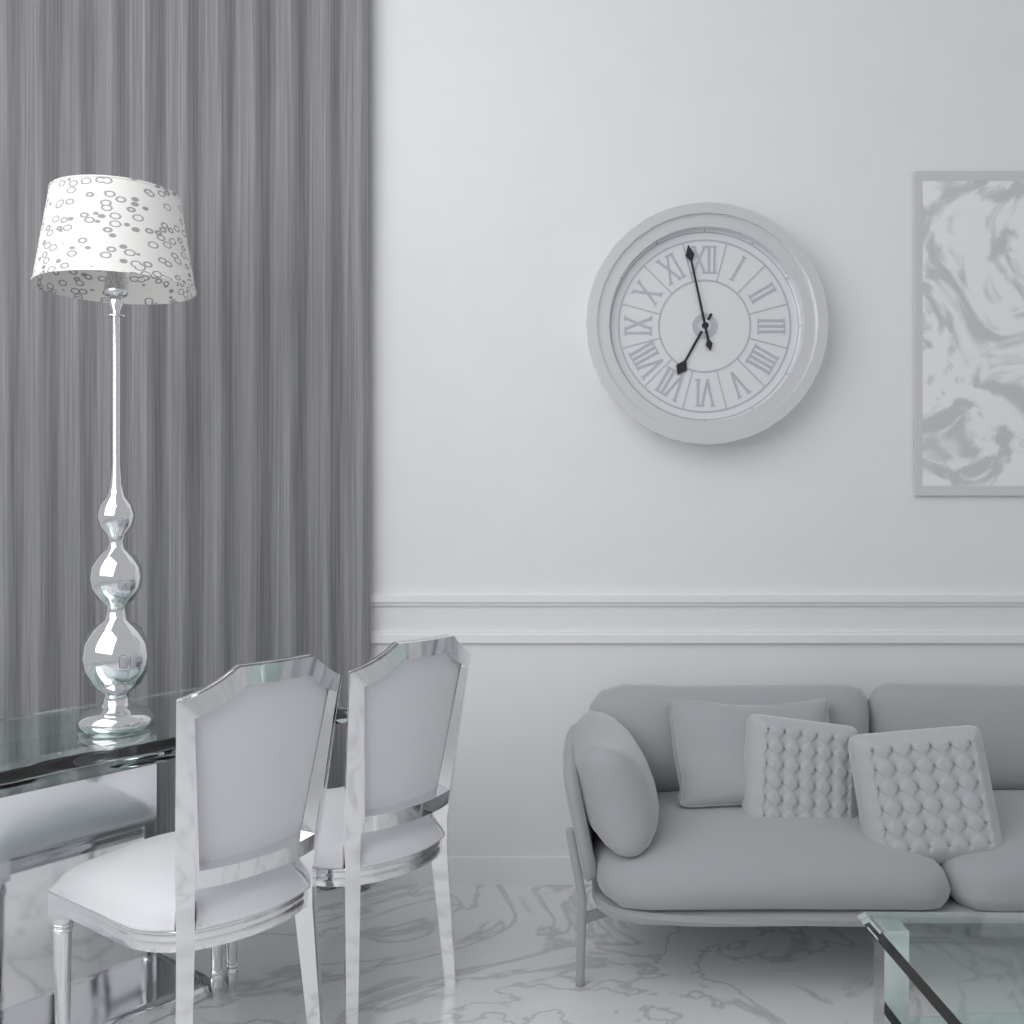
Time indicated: 6:58
